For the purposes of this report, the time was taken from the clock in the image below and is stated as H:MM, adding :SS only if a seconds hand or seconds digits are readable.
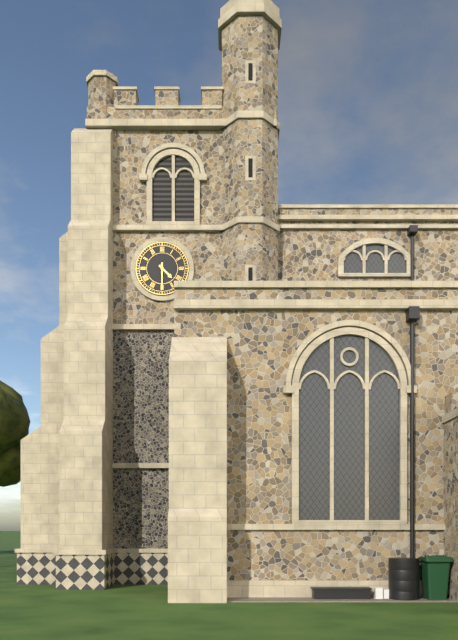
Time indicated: 4:30
